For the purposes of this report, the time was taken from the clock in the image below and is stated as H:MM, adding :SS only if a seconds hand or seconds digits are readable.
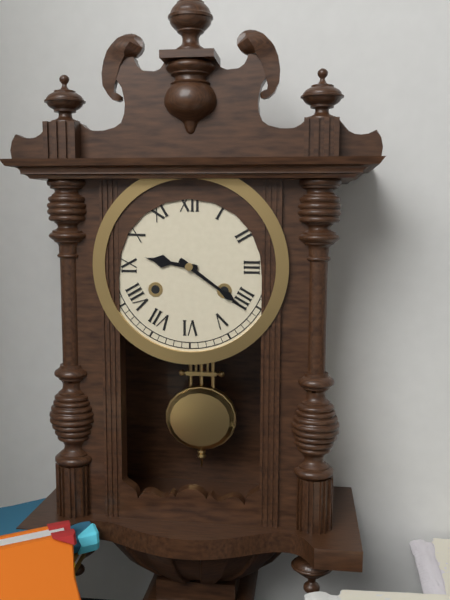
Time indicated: 9:21
